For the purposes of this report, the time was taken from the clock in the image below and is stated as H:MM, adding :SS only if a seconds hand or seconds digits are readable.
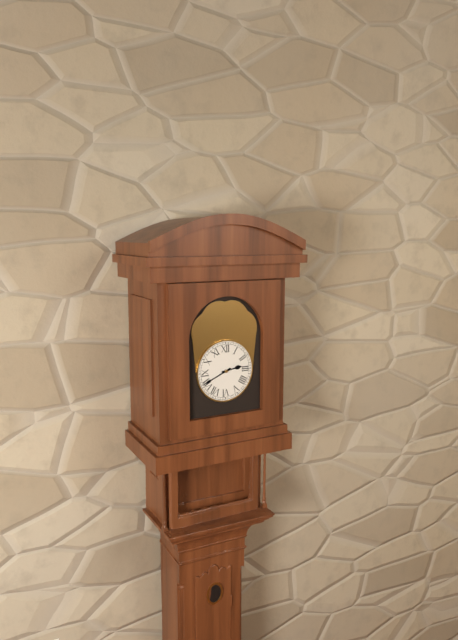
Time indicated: 2:41
